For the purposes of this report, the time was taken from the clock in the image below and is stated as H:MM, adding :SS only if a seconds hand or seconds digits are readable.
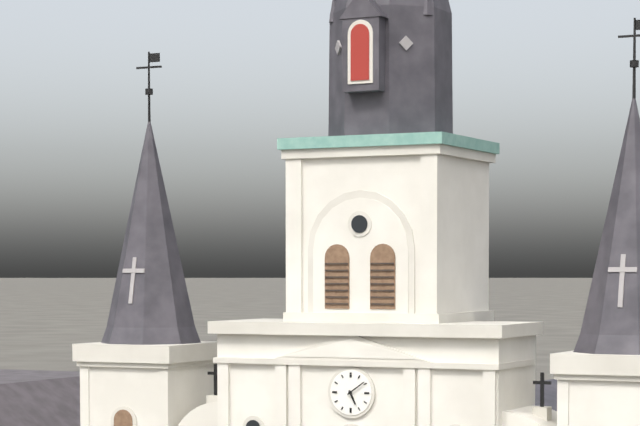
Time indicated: 5:09
